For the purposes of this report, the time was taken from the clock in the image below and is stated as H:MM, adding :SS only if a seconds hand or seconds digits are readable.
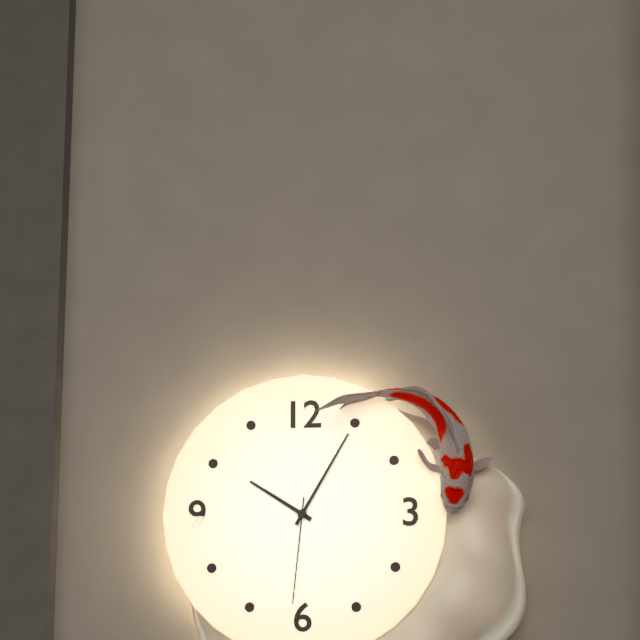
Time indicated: 10:05:31
